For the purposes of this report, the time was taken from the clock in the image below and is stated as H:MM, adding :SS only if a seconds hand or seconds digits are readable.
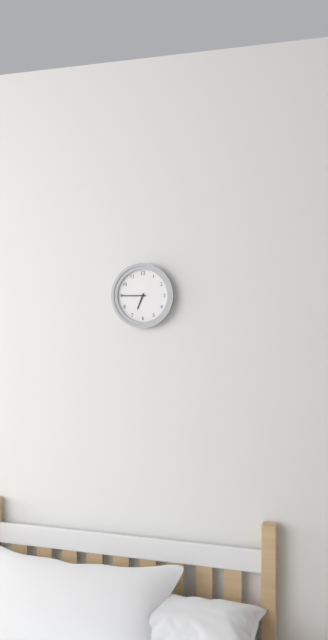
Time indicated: 6:45
